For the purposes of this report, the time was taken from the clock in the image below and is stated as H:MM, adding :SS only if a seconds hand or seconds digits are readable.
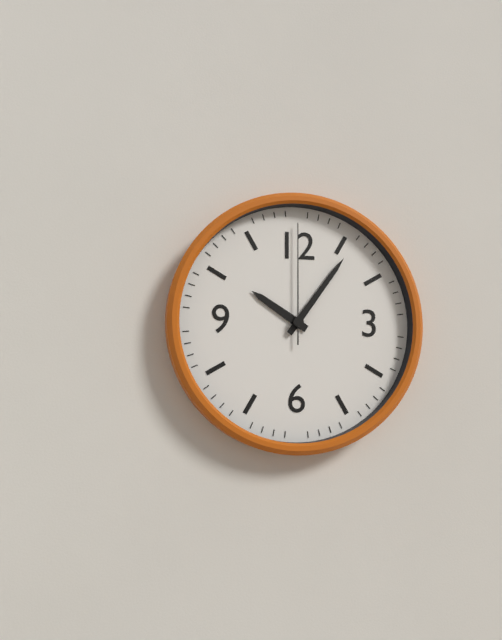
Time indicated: 10:06:00
